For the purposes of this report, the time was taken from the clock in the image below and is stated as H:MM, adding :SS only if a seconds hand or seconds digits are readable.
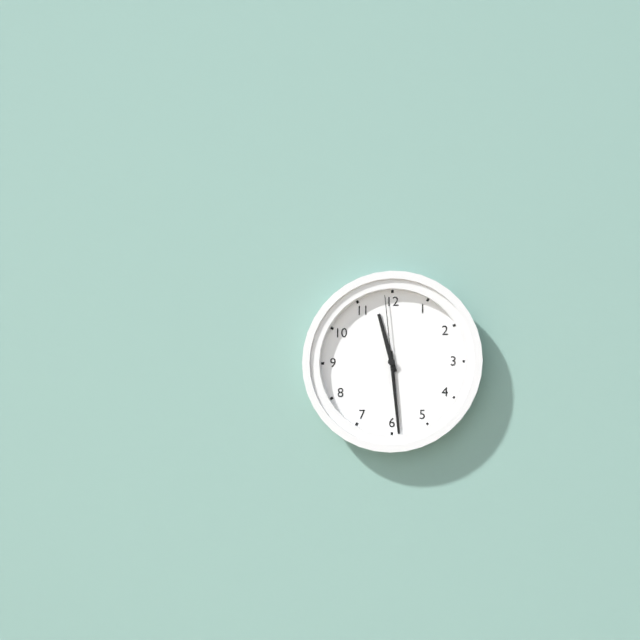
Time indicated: 11:29:59
